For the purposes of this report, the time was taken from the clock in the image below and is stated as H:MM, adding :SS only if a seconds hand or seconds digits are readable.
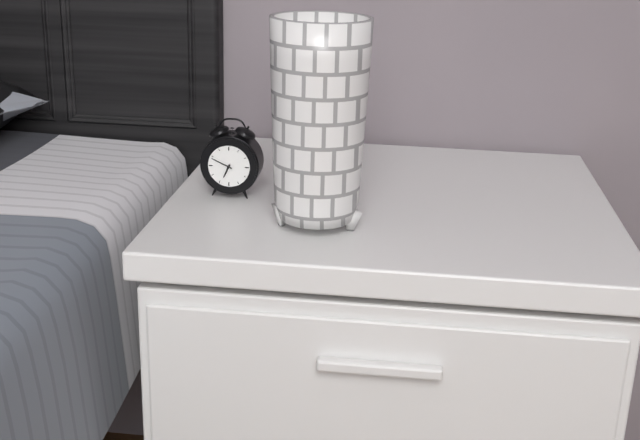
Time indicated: 6:49
